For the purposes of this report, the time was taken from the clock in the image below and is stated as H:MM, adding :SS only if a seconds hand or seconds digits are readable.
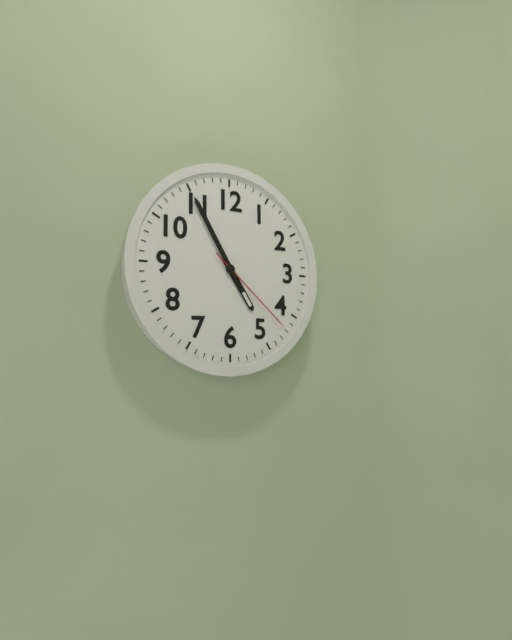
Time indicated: 4:55:22
